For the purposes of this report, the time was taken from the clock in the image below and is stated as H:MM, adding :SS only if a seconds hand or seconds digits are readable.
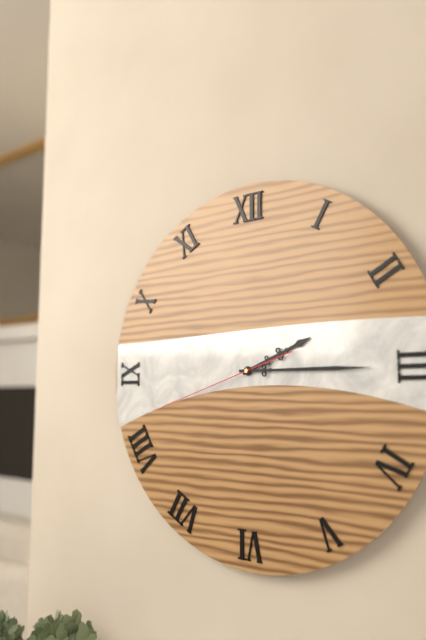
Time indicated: 2:15:42
